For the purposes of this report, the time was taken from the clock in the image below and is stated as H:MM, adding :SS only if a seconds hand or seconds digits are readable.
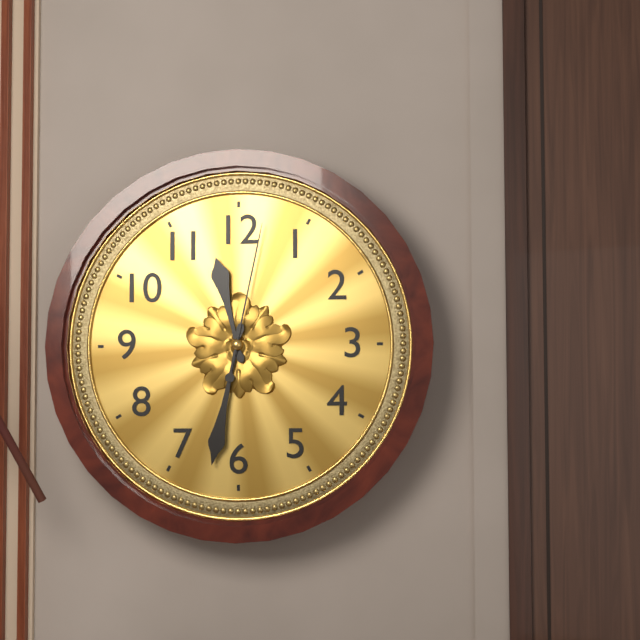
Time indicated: 11:32:02
